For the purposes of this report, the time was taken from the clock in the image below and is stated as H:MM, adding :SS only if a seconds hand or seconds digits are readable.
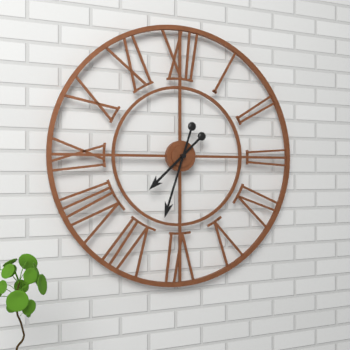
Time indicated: 7:33
